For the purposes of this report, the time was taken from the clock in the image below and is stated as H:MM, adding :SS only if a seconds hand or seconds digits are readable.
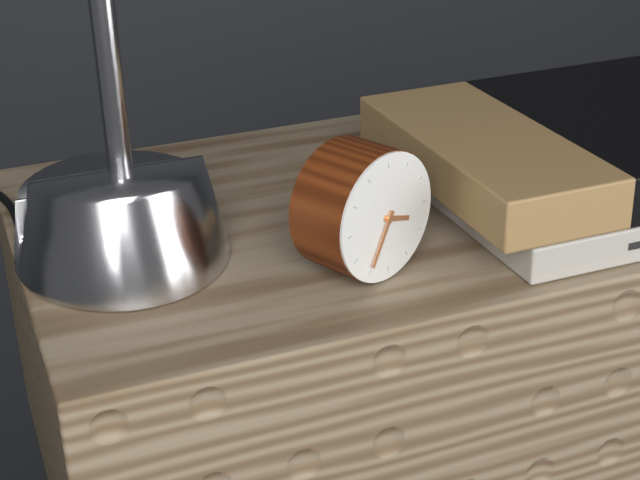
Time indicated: 3:35
